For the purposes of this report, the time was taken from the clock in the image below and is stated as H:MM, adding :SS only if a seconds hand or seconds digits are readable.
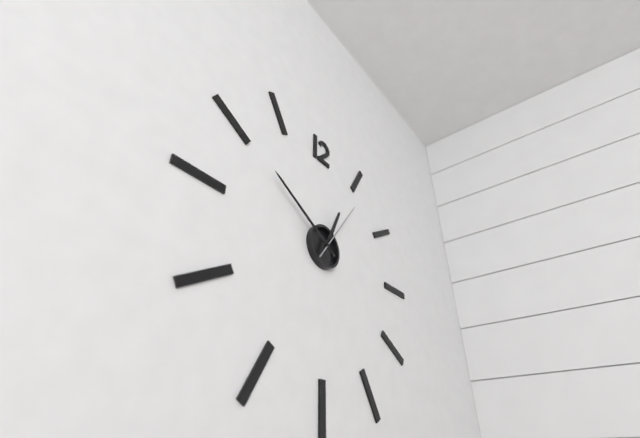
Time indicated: 12:50:06
